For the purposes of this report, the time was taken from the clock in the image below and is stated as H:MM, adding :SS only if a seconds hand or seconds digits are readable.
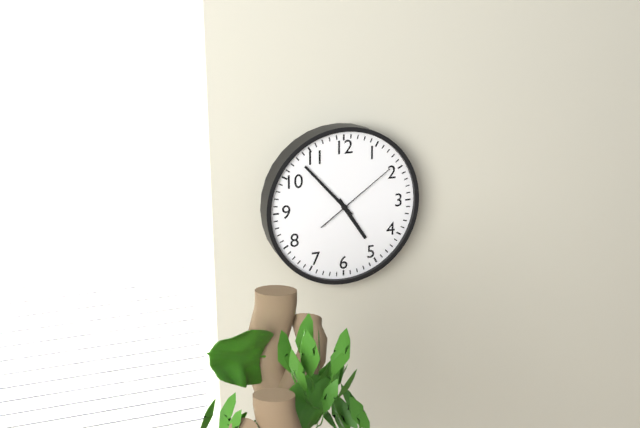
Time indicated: 4:53:09
